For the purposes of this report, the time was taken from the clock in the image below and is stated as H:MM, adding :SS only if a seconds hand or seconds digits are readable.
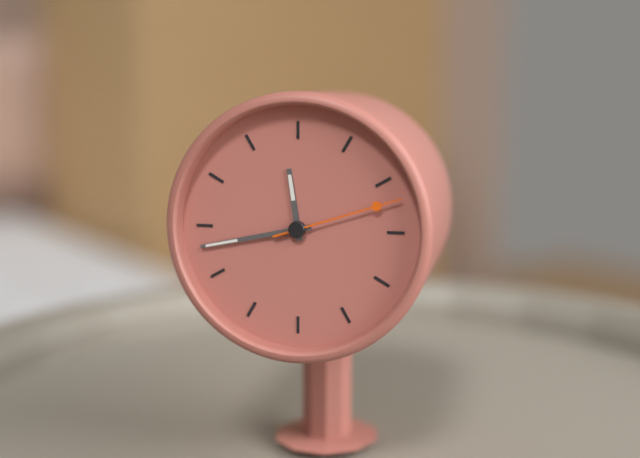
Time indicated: 11:43:12
